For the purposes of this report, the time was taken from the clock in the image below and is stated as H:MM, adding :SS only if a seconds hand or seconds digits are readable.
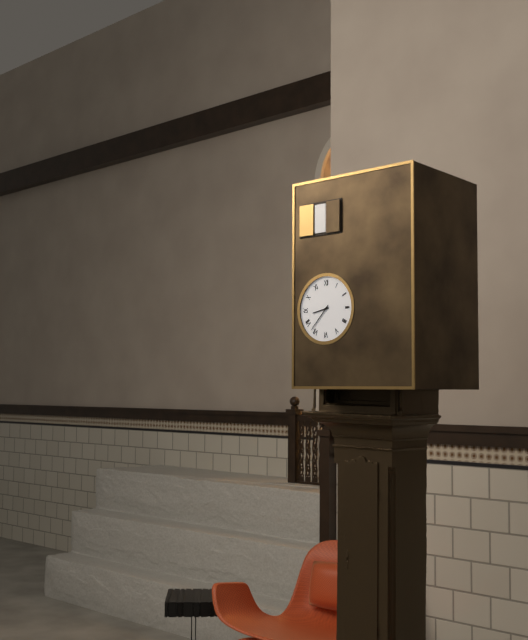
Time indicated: 8:37
